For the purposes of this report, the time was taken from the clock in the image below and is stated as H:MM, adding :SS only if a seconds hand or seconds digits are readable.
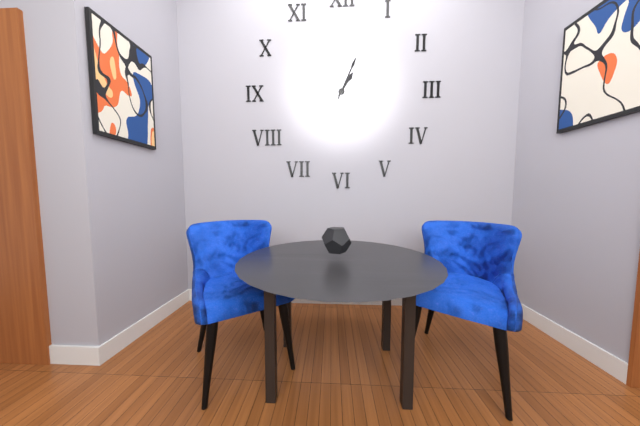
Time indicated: 1:04
